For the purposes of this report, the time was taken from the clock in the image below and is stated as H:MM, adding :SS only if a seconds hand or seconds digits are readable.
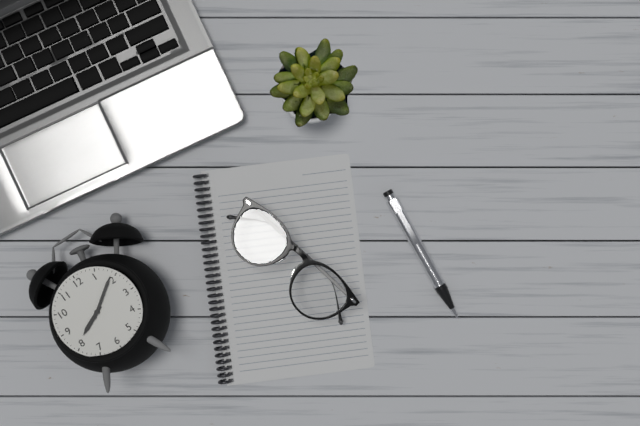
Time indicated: 8:09
